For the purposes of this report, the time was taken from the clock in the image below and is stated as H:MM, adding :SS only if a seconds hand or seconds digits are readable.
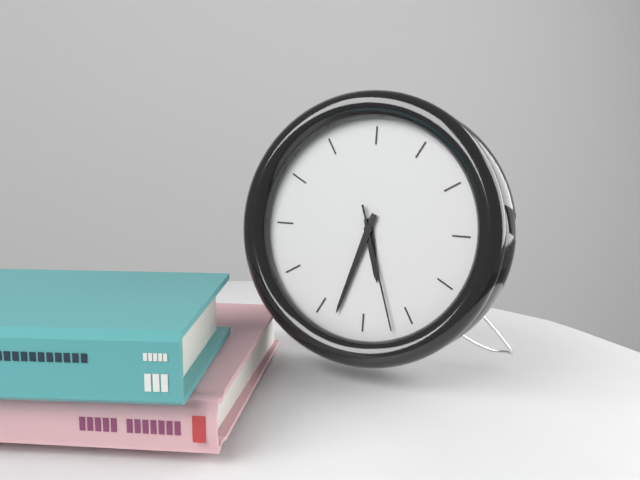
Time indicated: 5:33:27
